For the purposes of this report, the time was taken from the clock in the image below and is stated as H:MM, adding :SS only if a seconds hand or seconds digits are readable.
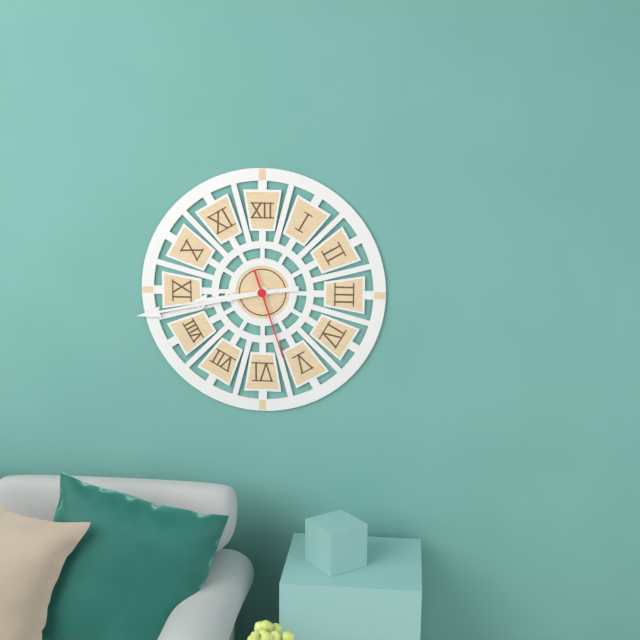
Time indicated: 8:43:27
